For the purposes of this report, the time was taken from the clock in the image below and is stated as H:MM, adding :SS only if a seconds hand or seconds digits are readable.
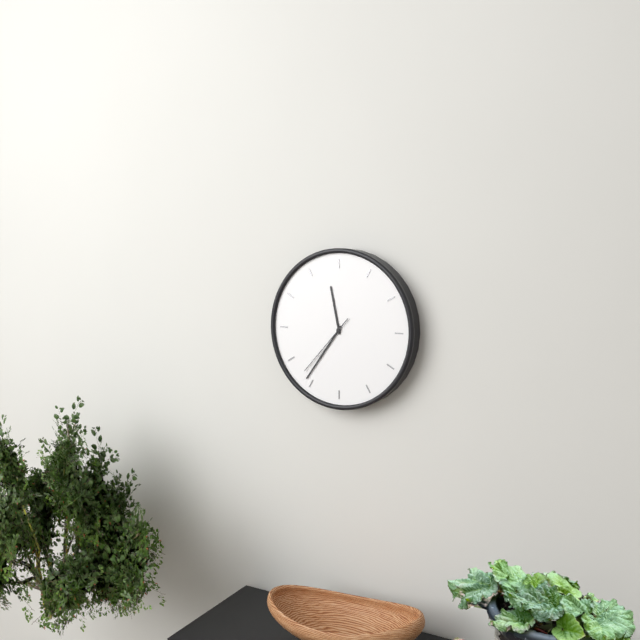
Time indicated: 11:36:37
